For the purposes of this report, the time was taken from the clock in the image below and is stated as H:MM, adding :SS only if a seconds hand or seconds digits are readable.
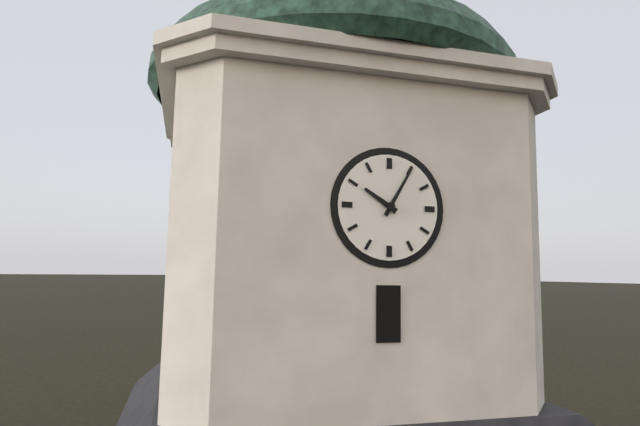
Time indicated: 10:05
